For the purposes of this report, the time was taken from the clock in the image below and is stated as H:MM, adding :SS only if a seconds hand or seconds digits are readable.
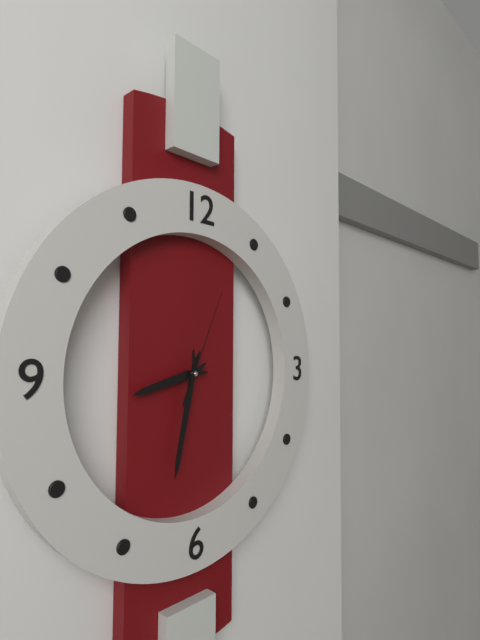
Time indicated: 8:32:04
